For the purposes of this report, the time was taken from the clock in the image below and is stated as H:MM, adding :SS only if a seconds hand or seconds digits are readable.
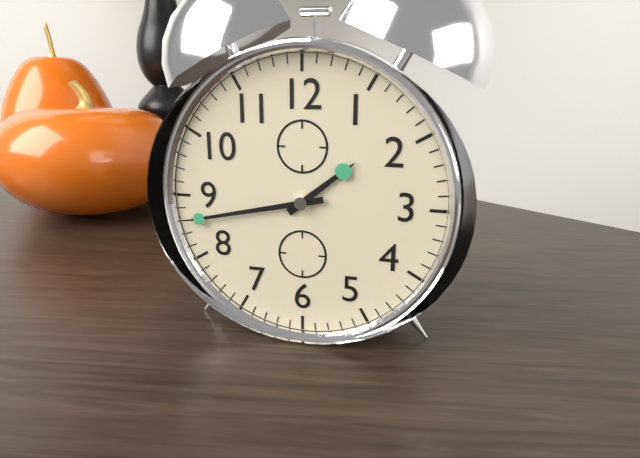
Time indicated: 1:43
